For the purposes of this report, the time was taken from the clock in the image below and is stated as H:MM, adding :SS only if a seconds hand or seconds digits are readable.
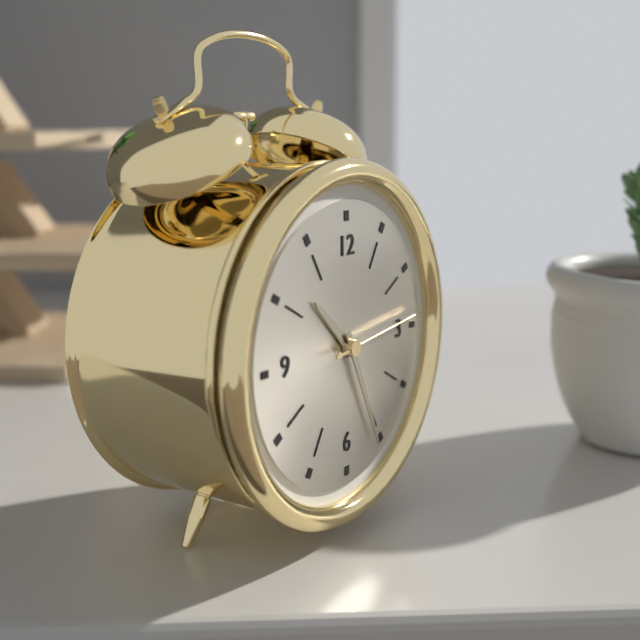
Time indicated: 10:26:14
